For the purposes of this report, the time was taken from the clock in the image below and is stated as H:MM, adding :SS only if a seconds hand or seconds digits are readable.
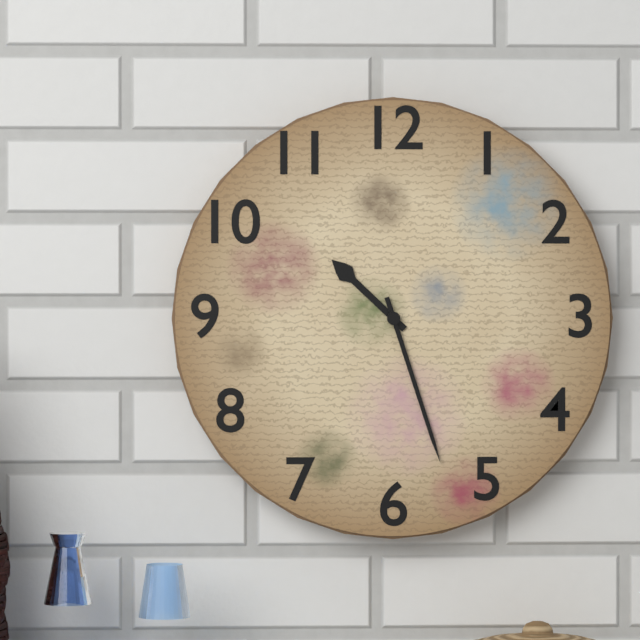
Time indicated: 10:27
